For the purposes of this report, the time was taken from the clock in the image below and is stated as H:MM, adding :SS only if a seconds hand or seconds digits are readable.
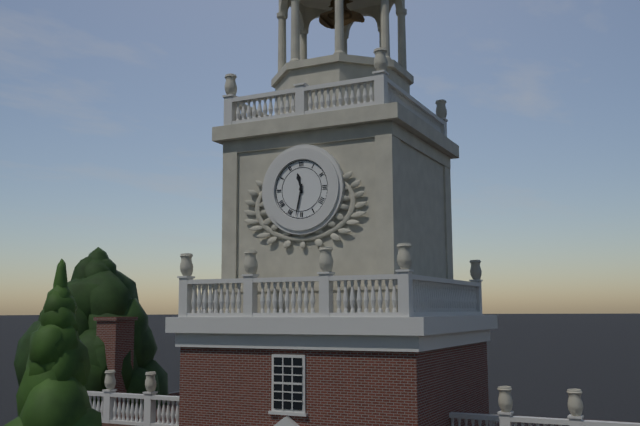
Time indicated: 11:32
